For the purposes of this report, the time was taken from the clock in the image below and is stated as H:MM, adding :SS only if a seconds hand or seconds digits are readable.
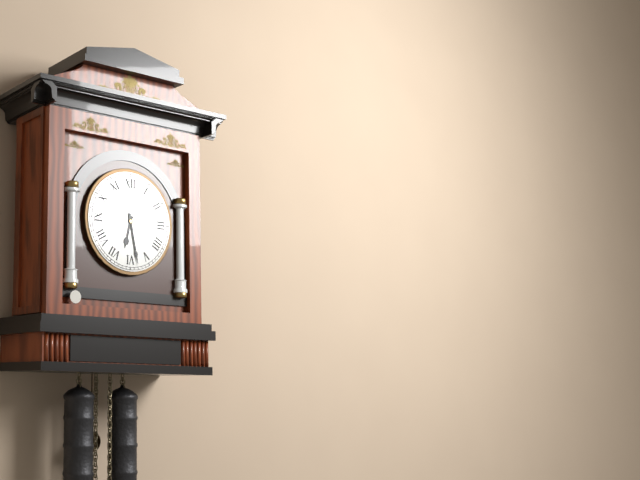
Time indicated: 6:28
